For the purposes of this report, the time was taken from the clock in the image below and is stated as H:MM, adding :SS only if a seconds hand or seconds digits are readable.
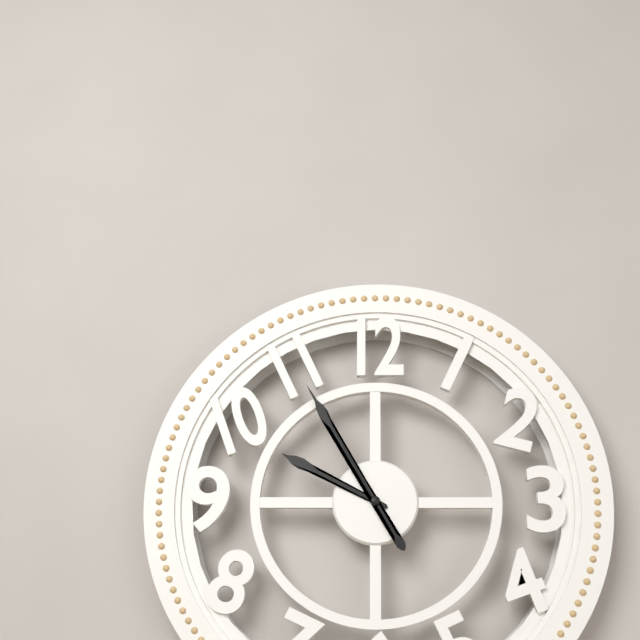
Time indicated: 9:55
